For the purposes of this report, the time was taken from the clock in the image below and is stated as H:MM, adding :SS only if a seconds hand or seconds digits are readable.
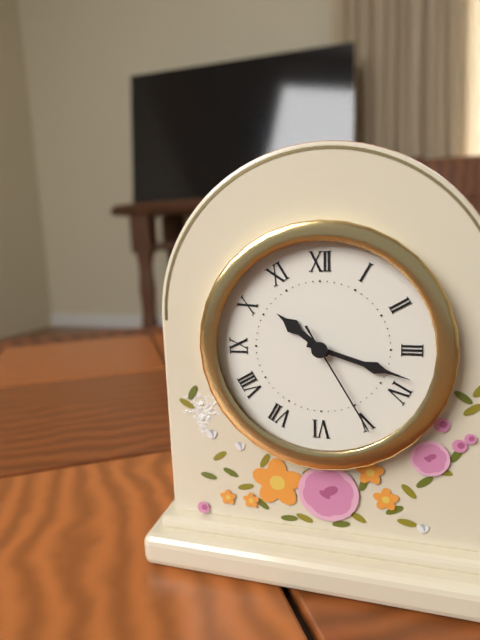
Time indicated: 10:18:25
